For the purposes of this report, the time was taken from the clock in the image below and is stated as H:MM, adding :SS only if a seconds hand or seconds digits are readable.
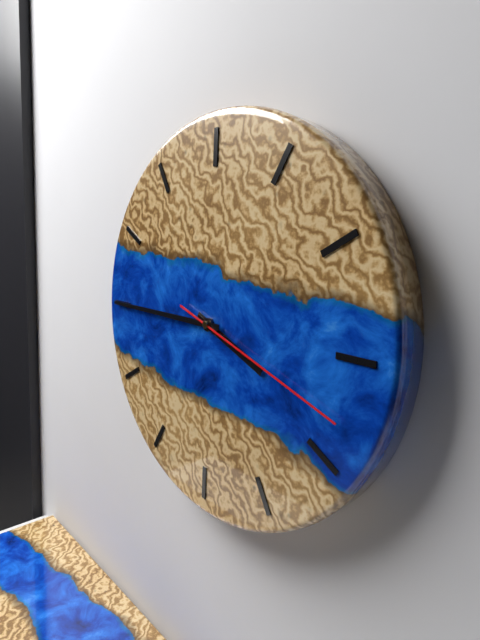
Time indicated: 3:45:18
